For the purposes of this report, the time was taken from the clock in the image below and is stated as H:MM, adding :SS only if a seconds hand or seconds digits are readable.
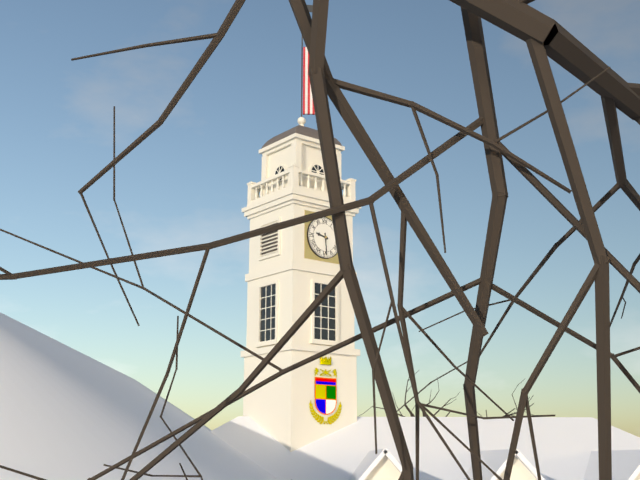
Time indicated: 9:29
